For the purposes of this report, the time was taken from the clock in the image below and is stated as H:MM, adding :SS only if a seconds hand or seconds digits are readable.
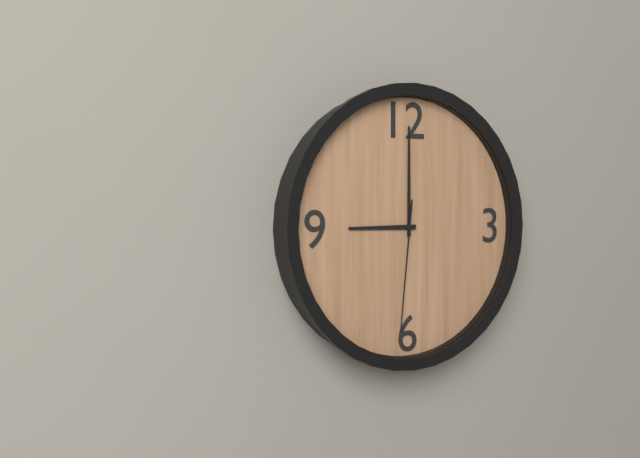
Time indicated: 9:00:31
